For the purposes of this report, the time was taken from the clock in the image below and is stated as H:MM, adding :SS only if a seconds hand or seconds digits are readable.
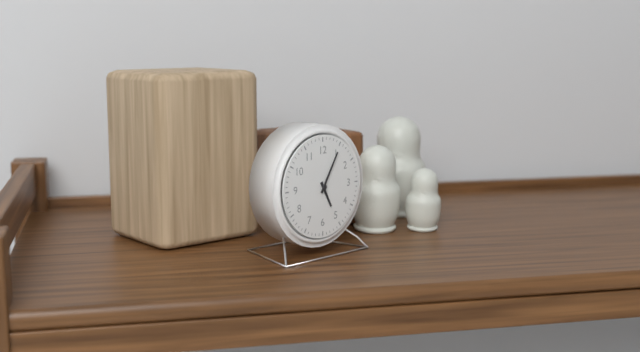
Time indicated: 5:05
